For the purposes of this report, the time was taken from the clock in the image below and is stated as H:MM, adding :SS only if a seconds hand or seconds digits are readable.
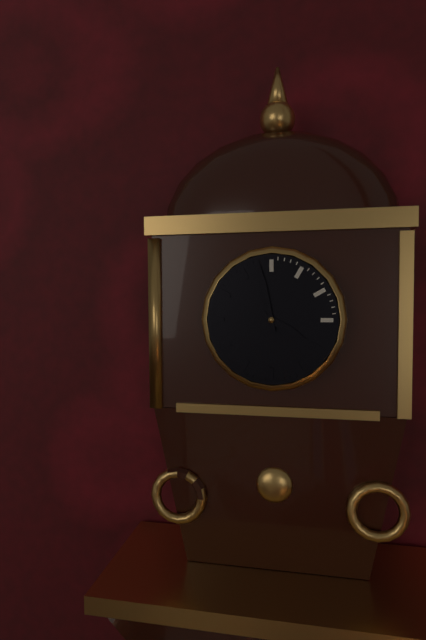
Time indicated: 3:58
